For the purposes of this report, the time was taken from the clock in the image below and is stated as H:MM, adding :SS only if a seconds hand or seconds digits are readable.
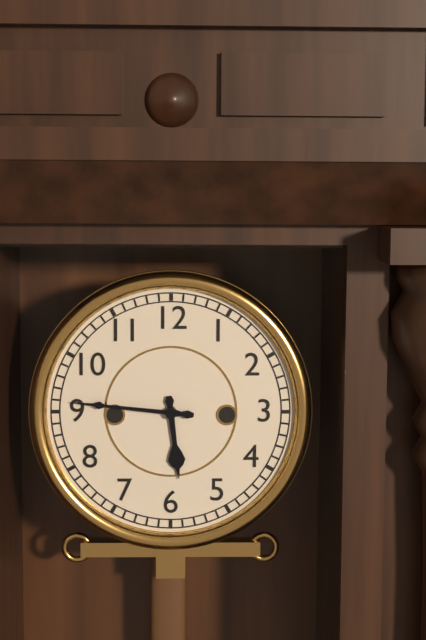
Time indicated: 5:46
